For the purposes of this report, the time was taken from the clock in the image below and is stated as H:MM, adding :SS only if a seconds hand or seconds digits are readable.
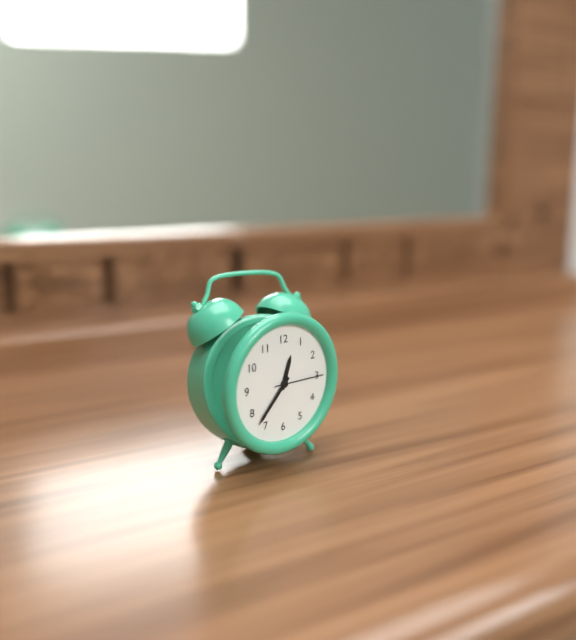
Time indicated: 12:37
